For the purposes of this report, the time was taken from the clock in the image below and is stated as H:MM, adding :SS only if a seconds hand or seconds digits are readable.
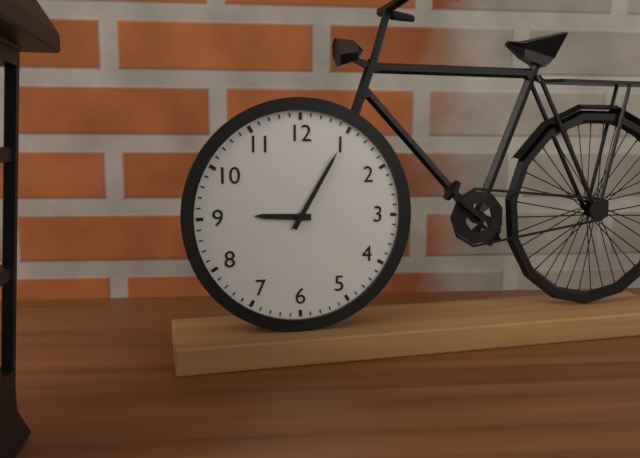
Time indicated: 9:05
